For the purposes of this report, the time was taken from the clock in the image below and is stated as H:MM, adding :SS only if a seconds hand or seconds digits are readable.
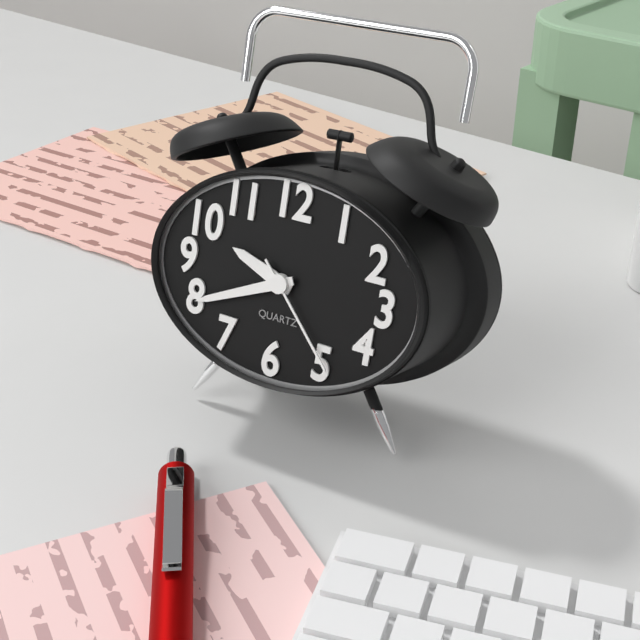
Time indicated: 9:41:23
